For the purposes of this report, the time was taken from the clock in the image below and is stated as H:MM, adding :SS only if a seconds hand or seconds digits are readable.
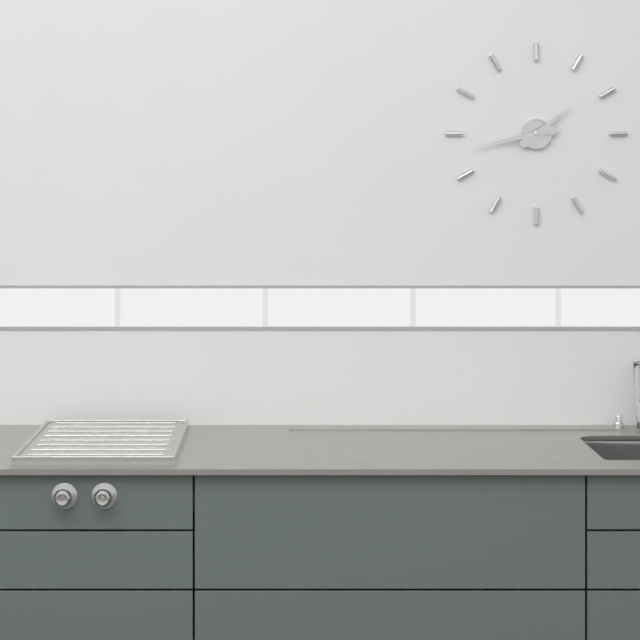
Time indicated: 1:43
